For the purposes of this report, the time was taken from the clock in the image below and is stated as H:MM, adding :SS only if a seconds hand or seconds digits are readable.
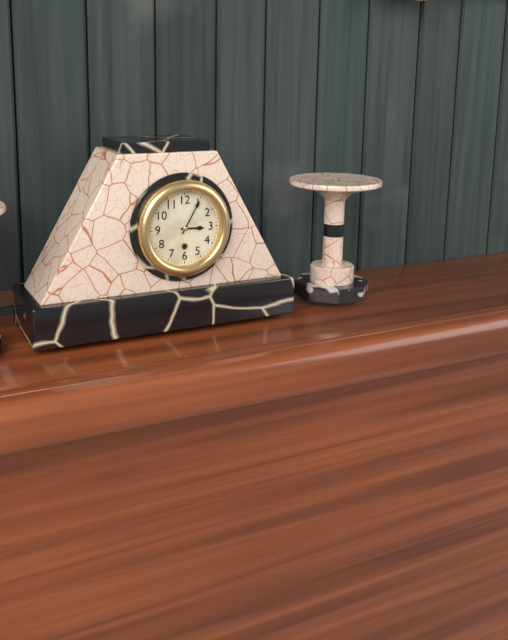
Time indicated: 3:05
